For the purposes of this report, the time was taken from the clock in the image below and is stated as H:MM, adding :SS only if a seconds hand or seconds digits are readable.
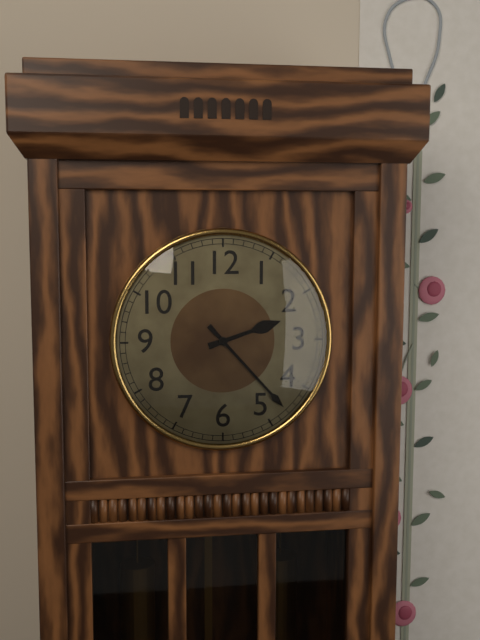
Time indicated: 2:23
